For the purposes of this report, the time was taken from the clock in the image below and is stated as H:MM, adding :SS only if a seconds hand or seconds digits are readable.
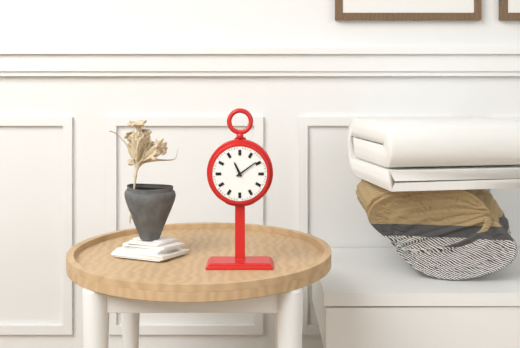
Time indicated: 11:09
